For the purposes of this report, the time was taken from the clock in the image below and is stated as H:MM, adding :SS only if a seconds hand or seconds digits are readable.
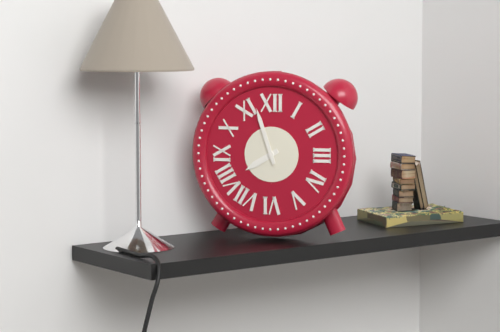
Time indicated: 7:57
